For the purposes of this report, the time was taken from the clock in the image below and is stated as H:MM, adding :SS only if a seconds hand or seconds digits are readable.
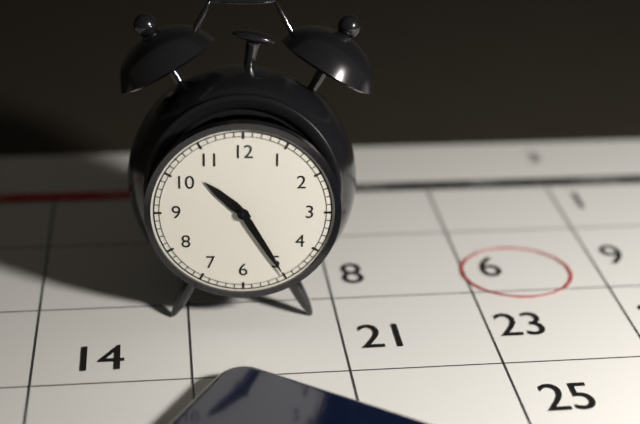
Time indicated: 10:25
